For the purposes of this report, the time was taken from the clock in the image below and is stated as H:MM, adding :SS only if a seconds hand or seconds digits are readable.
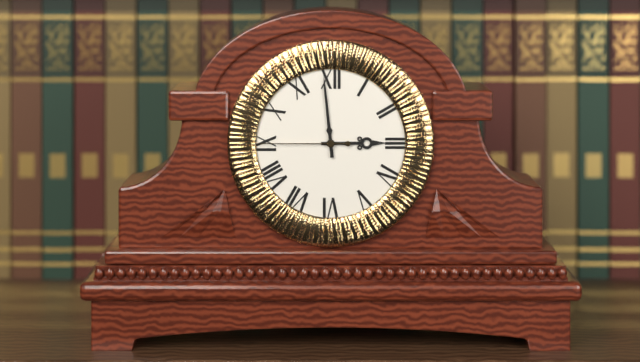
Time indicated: 2:59:45
